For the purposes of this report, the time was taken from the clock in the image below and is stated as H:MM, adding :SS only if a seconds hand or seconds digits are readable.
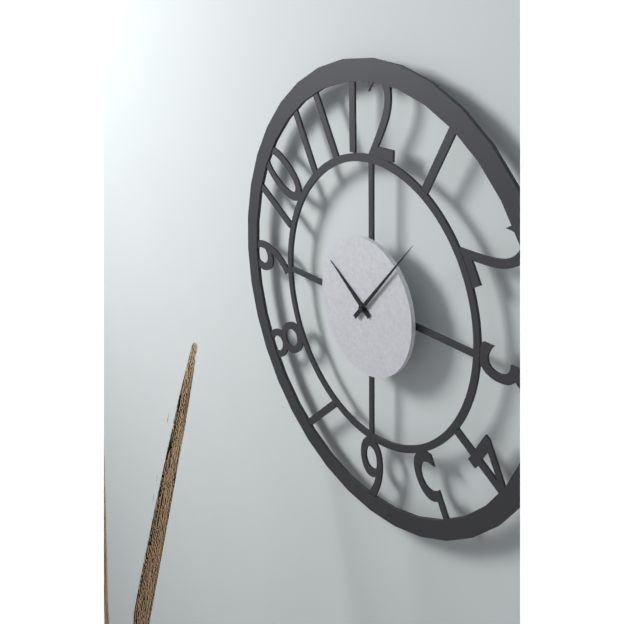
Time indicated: 10:07
